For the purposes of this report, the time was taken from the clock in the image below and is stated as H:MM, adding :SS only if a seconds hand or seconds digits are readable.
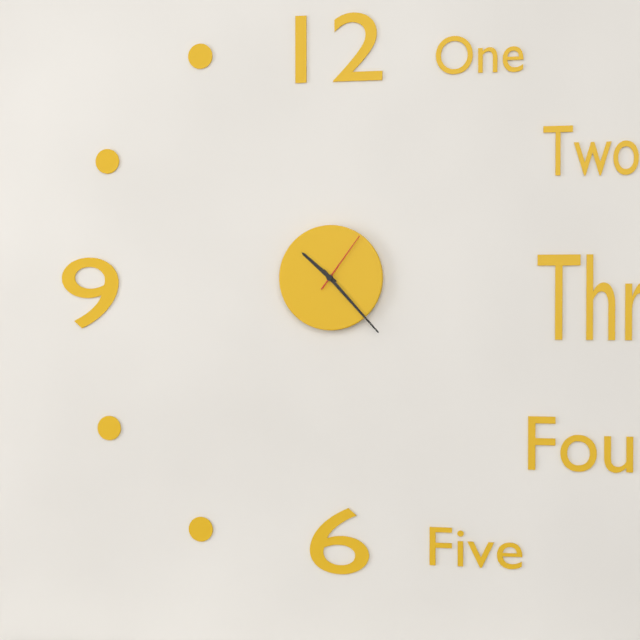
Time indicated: 10:23:06
